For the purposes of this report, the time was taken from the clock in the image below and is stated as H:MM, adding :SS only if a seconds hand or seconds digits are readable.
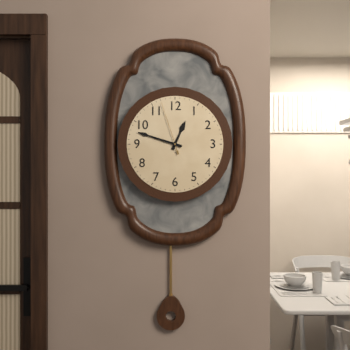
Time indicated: 12:48:57
